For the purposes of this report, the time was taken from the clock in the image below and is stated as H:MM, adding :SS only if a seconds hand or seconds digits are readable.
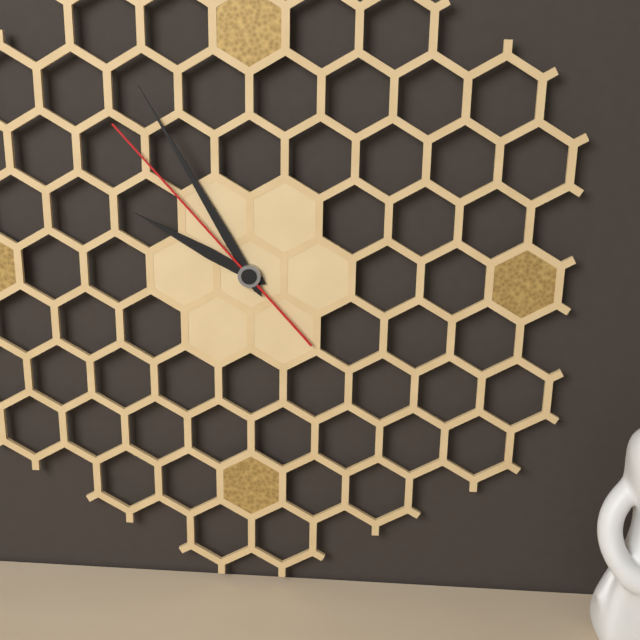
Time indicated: 9:55:53
